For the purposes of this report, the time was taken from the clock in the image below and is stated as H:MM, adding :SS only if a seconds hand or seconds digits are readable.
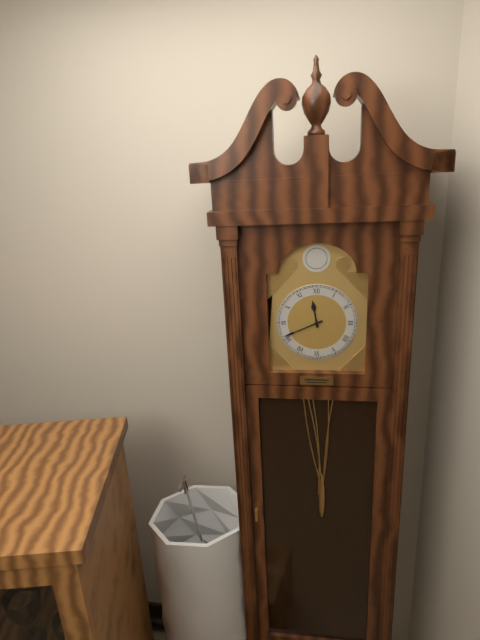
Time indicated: 11:41
